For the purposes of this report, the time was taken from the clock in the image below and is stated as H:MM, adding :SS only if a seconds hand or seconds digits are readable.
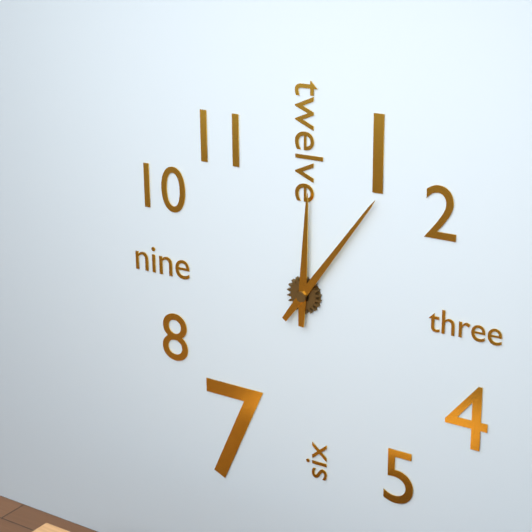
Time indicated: 12:06
